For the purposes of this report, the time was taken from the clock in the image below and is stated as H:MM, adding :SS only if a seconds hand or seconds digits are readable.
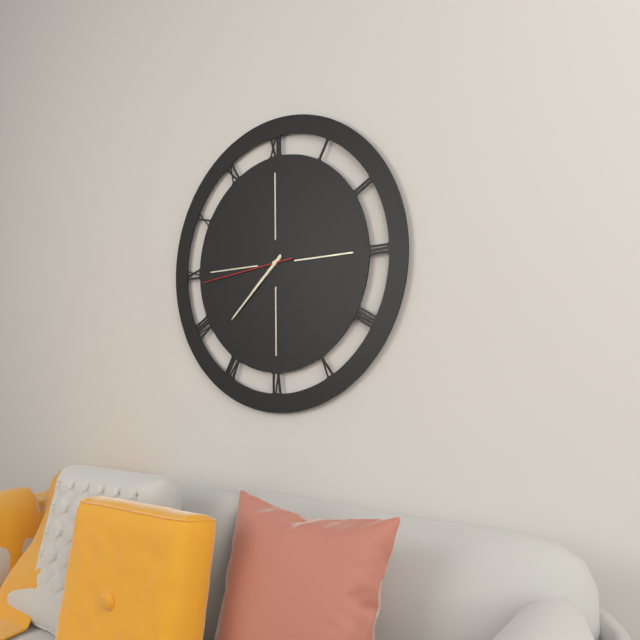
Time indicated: 7:38:44
